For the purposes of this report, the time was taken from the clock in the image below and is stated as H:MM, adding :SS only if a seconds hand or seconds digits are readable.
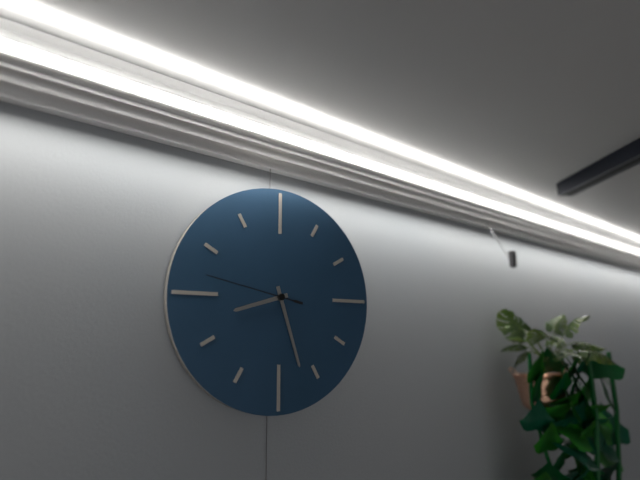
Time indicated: 8:27:47
